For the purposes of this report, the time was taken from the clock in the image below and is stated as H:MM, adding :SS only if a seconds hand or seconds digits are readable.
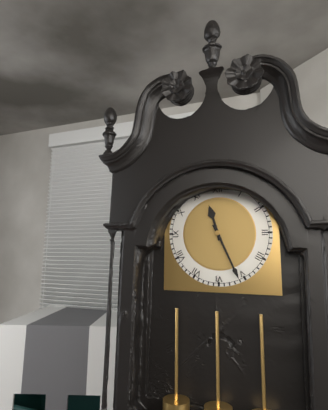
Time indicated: 11:26
